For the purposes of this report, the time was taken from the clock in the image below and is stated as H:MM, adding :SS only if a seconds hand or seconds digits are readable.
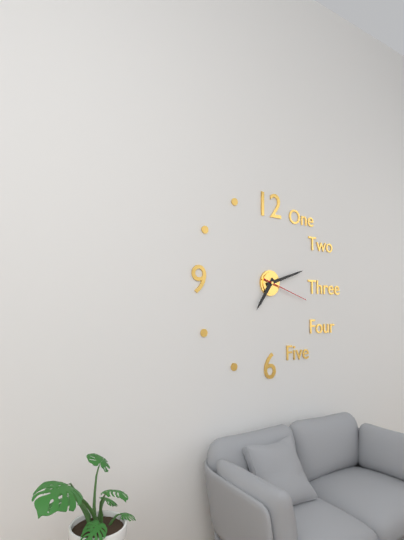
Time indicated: 7:12
